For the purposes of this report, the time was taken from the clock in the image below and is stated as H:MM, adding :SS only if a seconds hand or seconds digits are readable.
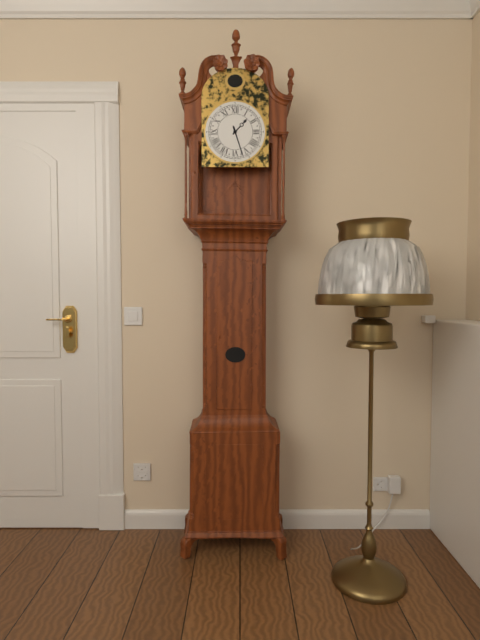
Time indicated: 1:27
